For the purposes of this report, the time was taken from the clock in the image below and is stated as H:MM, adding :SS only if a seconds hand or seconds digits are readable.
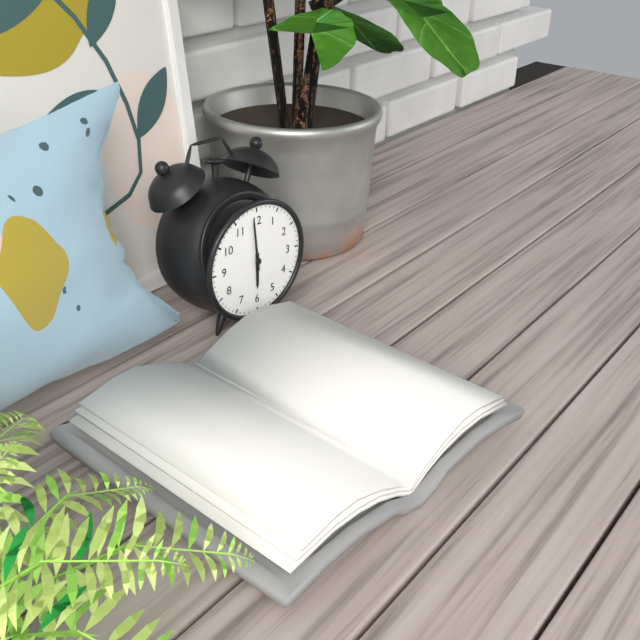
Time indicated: 5:59
